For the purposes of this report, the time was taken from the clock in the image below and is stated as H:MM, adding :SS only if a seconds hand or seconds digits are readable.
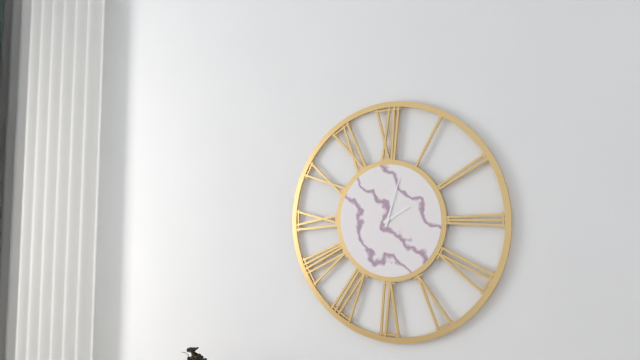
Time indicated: 2:03
